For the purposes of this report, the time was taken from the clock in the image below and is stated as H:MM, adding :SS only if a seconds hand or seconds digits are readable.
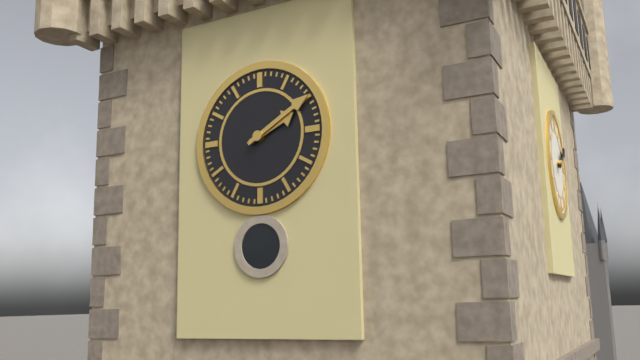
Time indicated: 2:10
